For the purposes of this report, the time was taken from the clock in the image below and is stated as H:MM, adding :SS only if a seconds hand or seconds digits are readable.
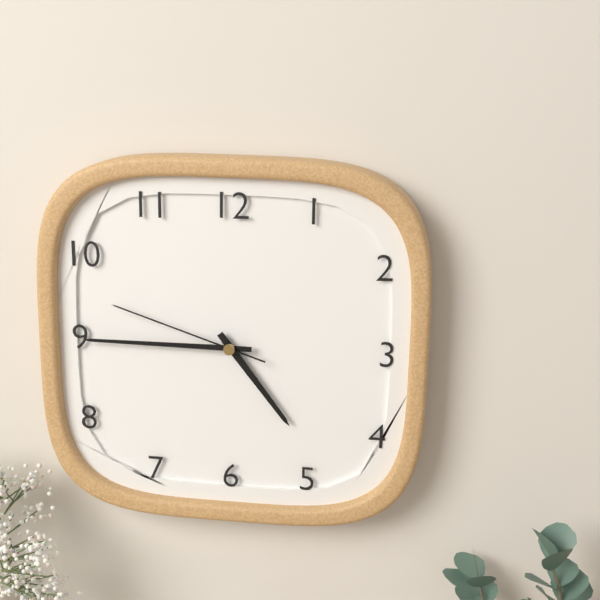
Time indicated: 4:45:48
